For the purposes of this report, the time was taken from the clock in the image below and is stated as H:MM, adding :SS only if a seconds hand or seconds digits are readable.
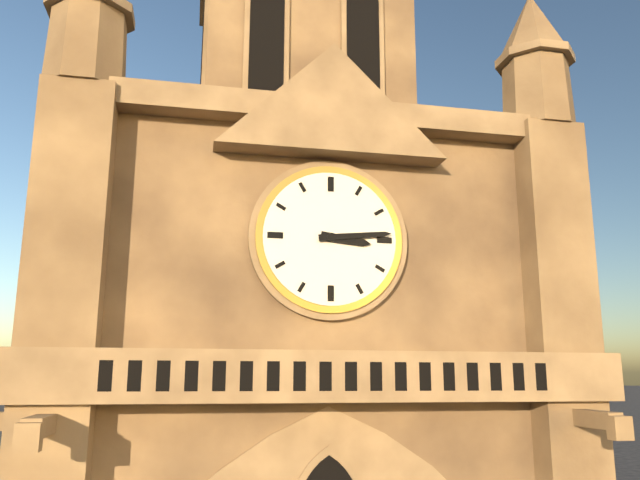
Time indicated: 3:14
